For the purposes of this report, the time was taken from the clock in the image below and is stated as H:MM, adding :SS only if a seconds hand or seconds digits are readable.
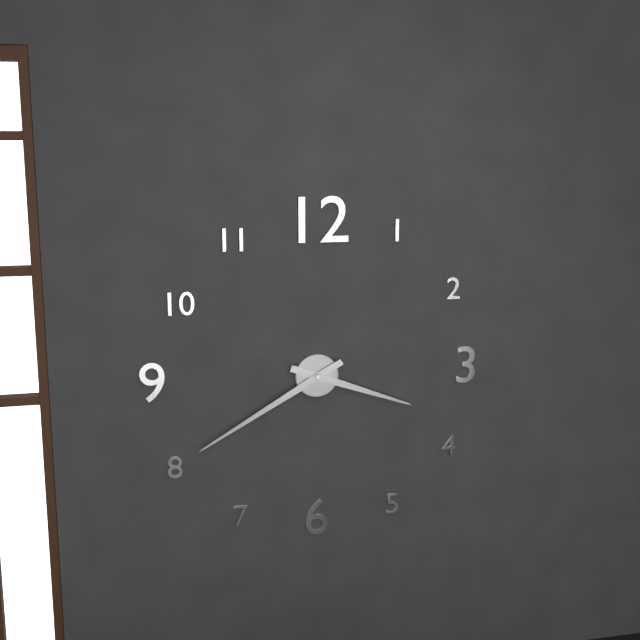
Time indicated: 3:40
